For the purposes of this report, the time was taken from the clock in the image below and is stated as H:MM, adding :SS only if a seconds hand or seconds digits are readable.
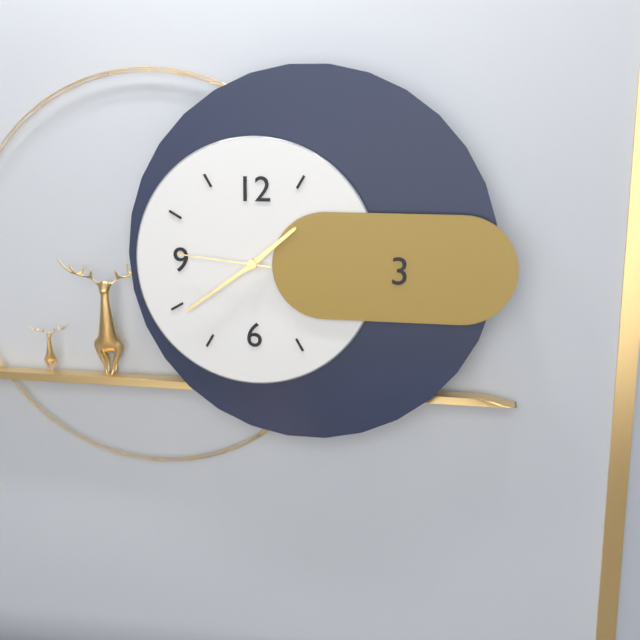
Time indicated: 1:39:46
